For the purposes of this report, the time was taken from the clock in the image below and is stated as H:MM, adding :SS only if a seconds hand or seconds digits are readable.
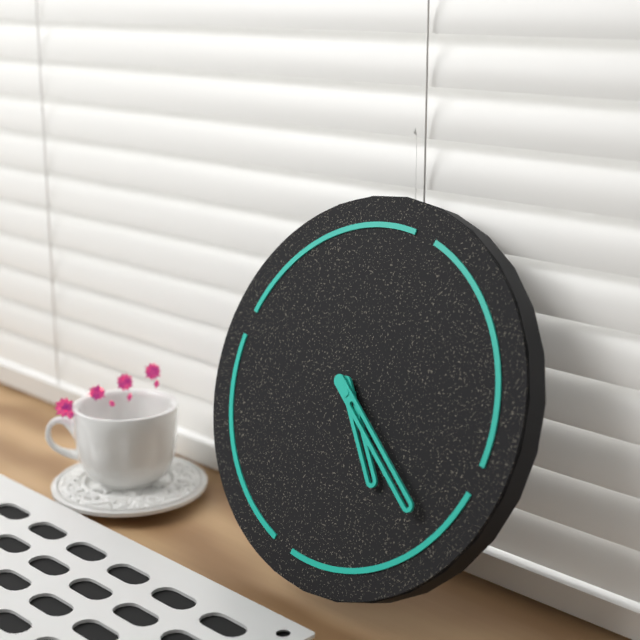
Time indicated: 4:19
